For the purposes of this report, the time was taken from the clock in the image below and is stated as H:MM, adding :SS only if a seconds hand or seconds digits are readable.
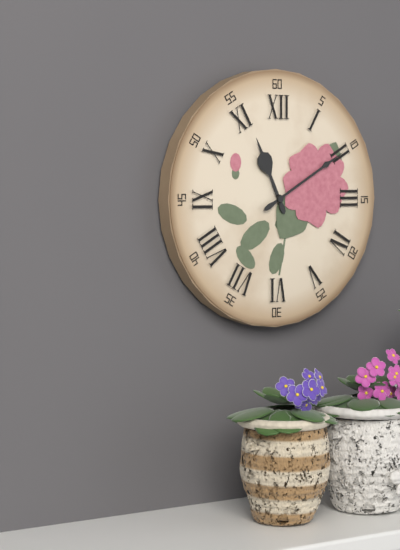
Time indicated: 11:10
